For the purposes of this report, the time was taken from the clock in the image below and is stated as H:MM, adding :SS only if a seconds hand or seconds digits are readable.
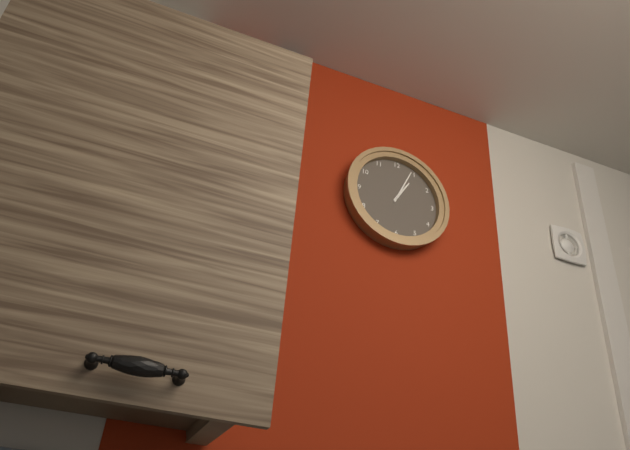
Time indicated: 1:04
